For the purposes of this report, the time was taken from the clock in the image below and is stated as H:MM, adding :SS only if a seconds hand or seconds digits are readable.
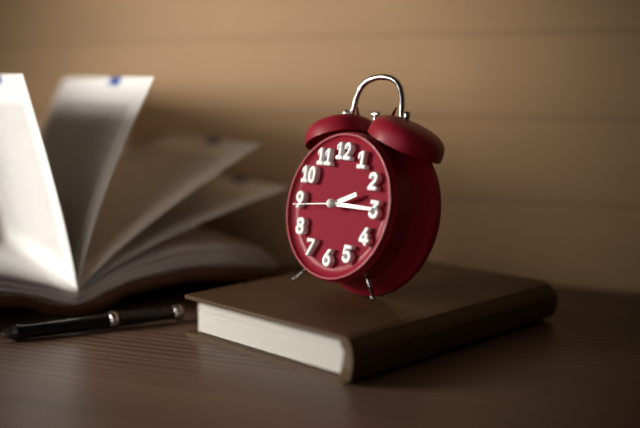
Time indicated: 2:15:44
